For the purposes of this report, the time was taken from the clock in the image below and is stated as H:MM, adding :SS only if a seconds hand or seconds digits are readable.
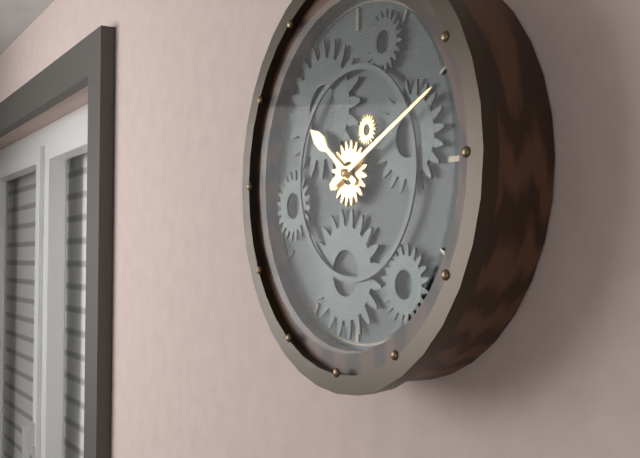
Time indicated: 10:11
